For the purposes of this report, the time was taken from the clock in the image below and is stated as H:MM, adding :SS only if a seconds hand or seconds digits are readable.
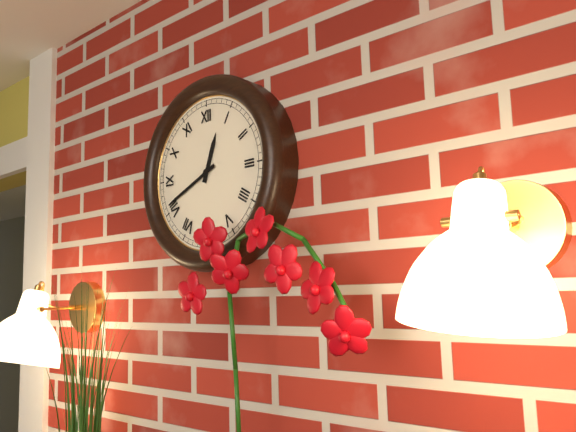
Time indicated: 12:41
